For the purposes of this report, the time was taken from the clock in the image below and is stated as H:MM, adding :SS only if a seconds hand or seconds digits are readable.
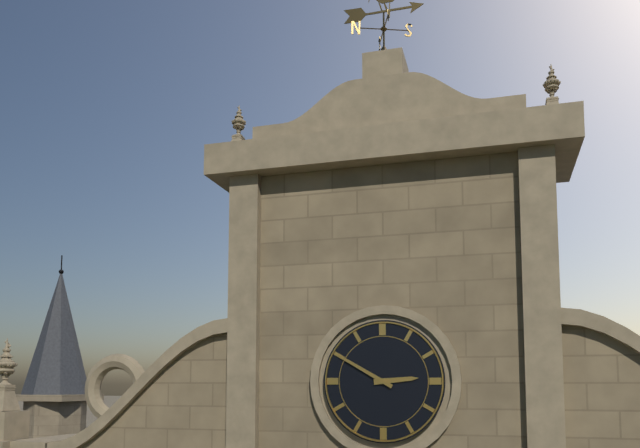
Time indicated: 2:50
